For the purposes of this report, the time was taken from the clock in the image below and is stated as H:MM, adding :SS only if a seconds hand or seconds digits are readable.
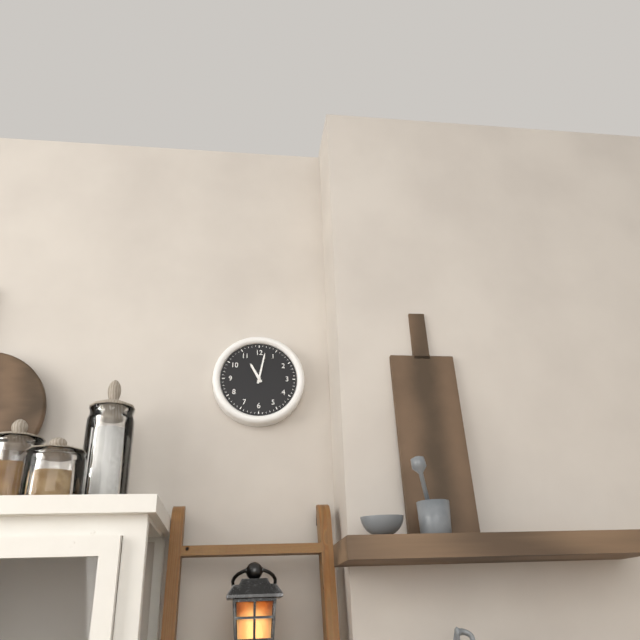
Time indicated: 11:02
